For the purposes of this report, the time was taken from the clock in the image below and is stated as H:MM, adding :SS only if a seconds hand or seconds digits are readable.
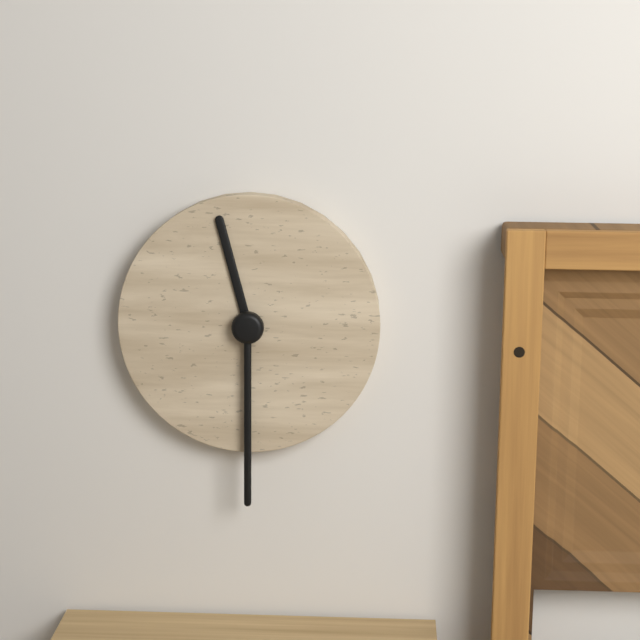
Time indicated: 11:30
